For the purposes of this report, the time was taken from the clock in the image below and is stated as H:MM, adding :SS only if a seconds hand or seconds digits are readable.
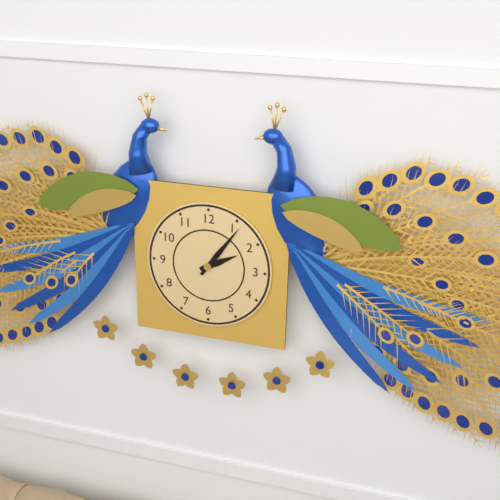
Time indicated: 2:06
